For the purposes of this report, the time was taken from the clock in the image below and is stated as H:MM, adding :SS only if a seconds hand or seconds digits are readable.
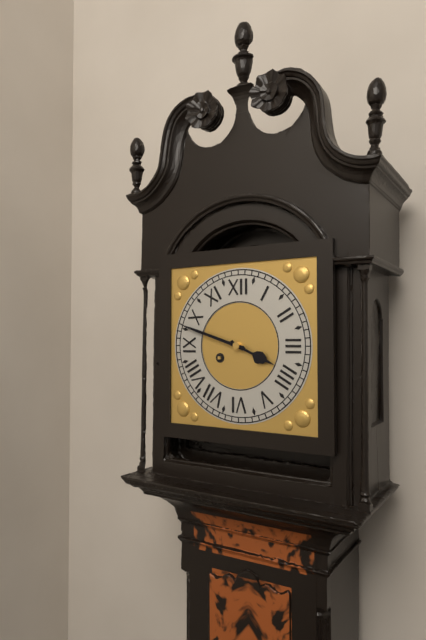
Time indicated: 3:48
